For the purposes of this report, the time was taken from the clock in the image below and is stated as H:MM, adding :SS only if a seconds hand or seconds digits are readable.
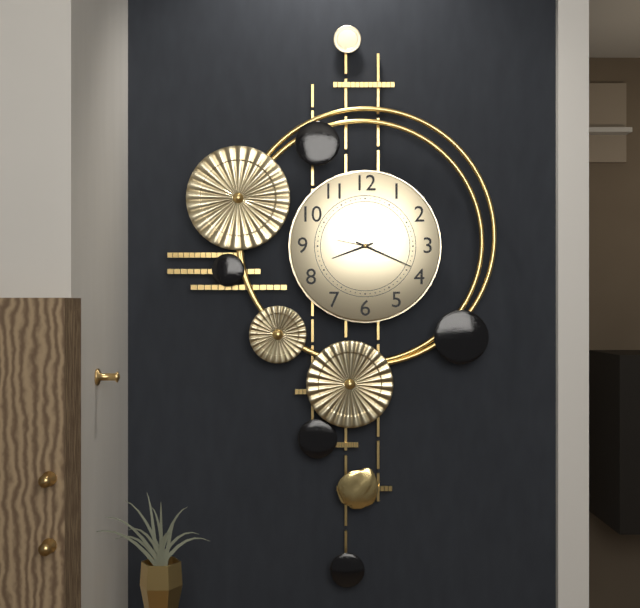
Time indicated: 8:19
